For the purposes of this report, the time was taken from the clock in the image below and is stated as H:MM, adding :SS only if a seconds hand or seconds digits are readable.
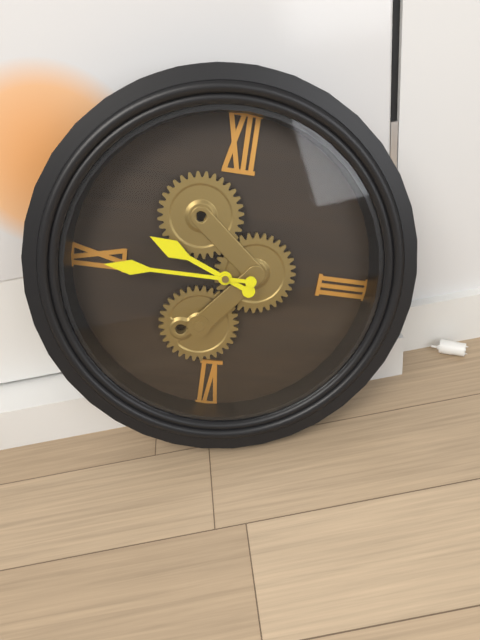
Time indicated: 9:45
